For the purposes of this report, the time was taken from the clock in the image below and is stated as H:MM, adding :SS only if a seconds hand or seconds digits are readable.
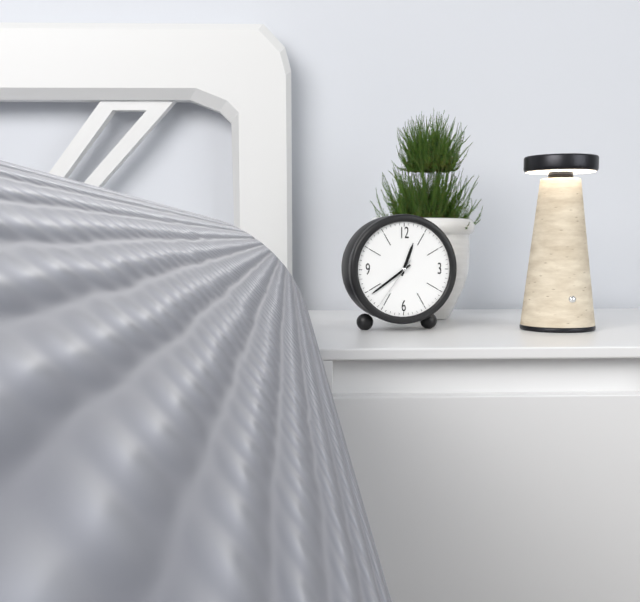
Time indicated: 12:39:36
